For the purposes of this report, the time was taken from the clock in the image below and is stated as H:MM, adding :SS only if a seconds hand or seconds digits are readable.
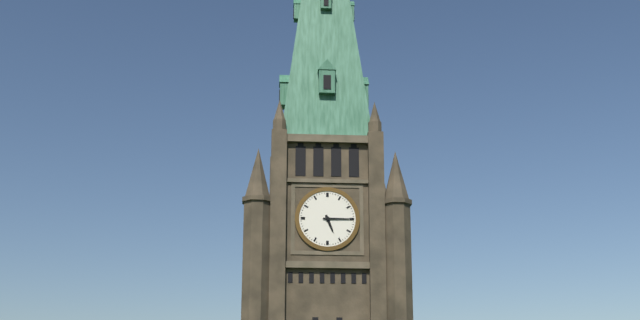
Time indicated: 5:15
